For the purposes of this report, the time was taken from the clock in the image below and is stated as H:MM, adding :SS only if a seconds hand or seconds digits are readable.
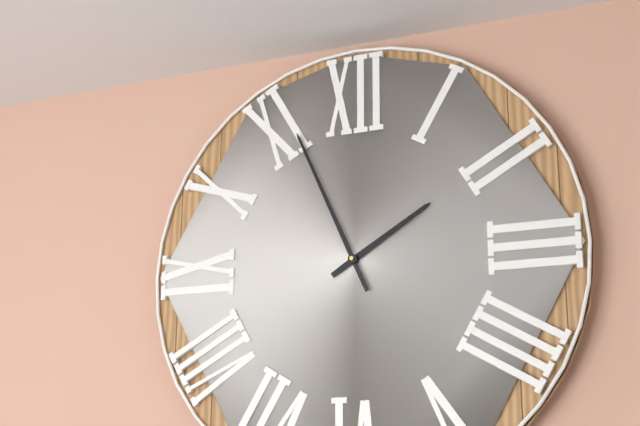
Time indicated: 1:56
